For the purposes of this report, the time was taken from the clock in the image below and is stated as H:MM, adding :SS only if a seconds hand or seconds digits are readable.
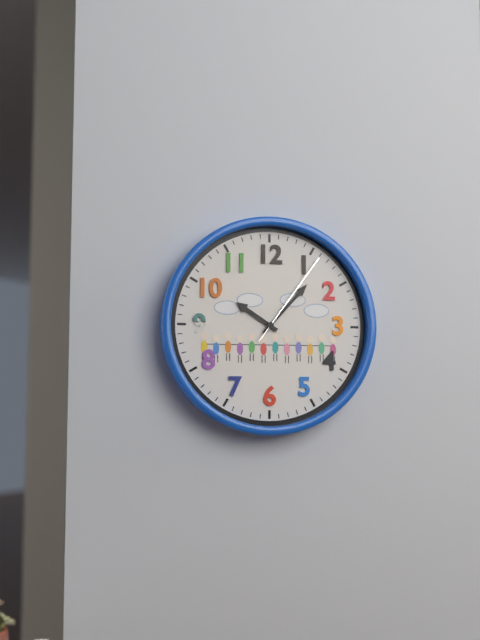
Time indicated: 10:07:06
